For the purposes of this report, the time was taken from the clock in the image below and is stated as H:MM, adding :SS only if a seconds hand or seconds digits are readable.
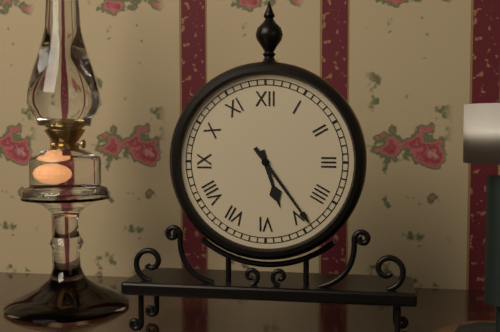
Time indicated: 5:24
